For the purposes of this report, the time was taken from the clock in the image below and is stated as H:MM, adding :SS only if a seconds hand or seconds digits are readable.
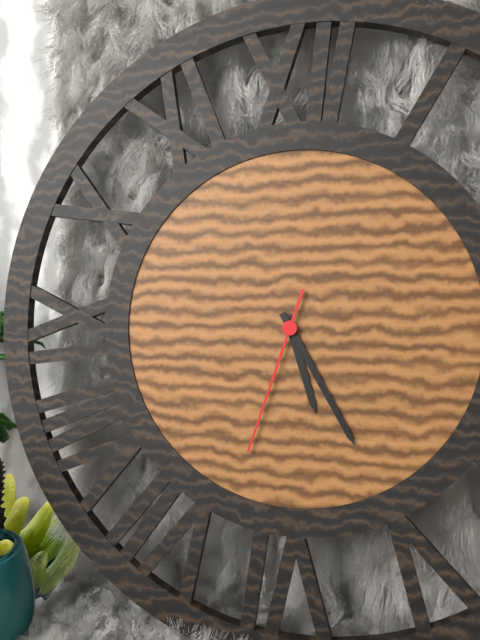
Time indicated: 5:25:33
